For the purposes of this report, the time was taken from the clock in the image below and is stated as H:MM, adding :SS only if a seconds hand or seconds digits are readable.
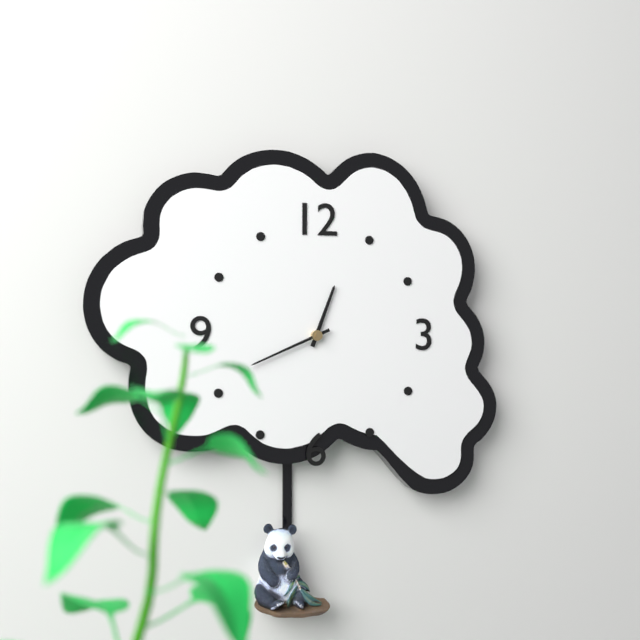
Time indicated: 12:41
